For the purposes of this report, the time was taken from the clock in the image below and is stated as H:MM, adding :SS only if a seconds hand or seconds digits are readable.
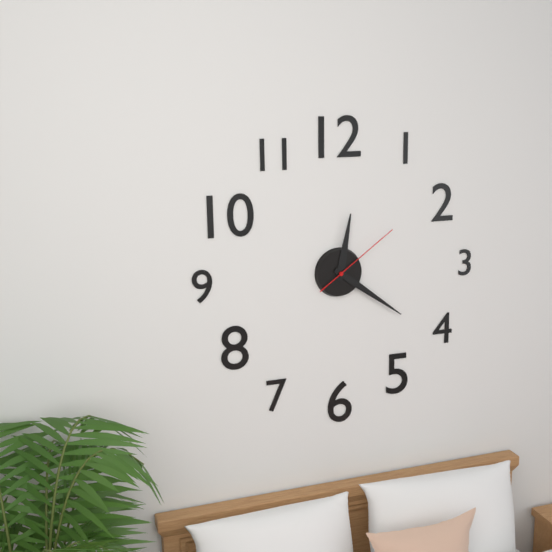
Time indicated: 12:21:09
